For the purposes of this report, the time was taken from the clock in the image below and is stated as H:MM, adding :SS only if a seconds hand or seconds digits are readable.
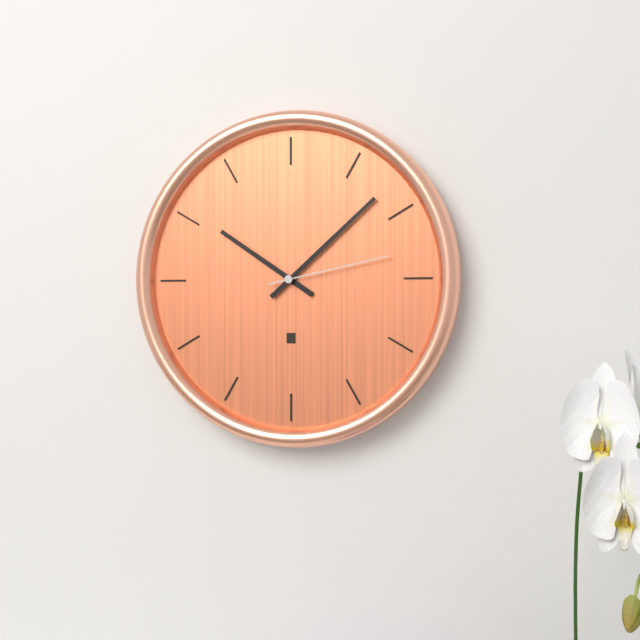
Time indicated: 10:08:13
